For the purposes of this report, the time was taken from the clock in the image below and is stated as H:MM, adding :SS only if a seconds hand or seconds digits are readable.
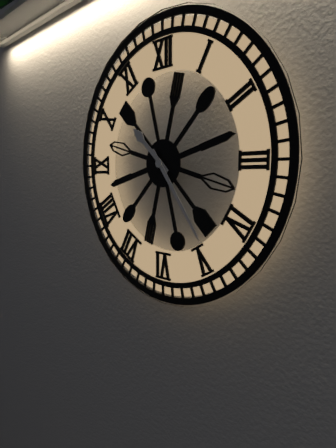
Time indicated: 10:24
